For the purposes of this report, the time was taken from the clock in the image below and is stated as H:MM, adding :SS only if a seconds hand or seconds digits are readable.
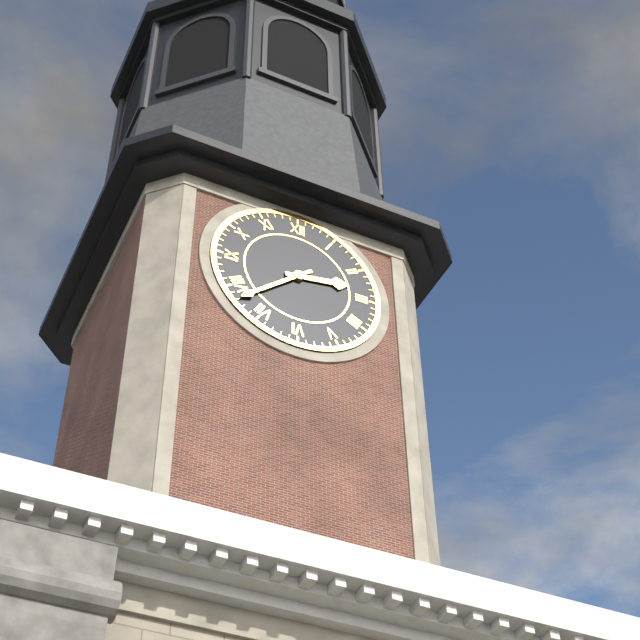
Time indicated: 2:38
